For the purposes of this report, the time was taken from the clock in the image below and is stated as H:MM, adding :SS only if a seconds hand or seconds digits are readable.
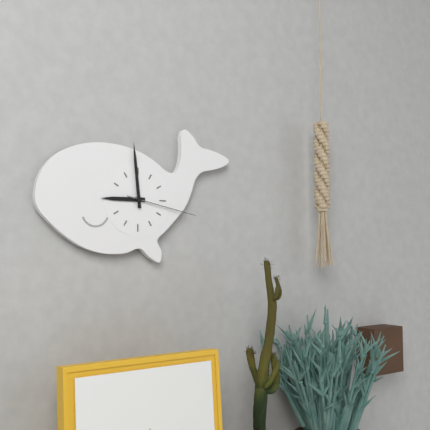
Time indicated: 8:59
